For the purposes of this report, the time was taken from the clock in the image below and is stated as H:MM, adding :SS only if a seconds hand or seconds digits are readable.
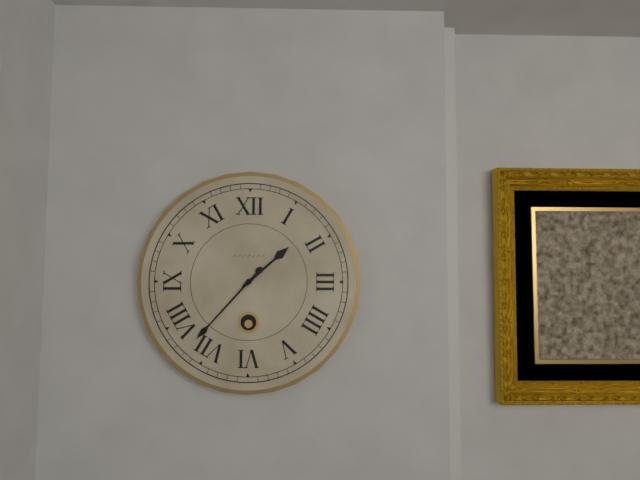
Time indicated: 1:37
